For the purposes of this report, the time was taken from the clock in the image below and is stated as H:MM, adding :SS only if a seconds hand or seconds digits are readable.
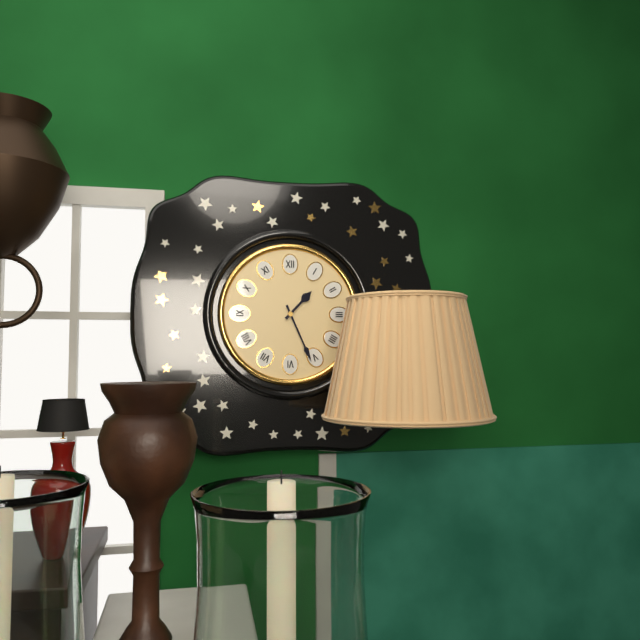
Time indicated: 1:26
